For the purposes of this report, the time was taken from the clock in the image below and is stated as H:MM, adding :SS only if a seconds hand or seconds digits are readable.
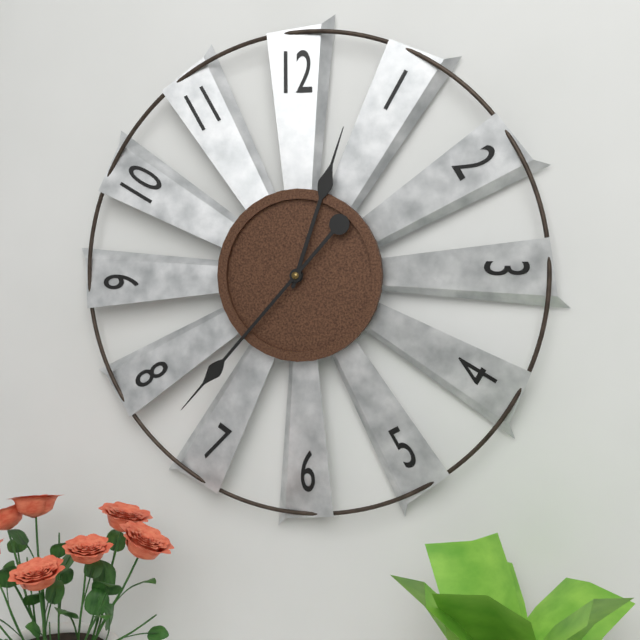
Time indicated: 12:37
